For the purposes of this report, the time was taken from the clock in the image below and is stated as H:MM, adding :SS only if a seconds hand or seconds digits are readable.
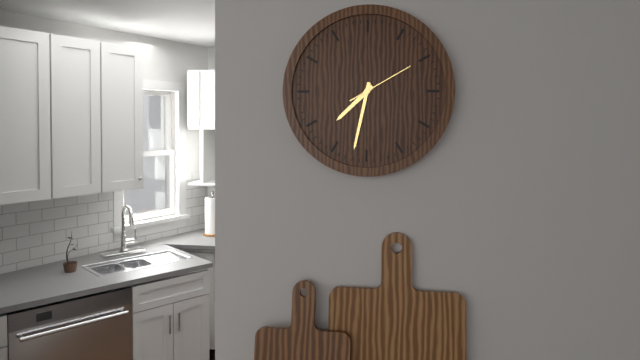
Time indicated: 7:32:10
